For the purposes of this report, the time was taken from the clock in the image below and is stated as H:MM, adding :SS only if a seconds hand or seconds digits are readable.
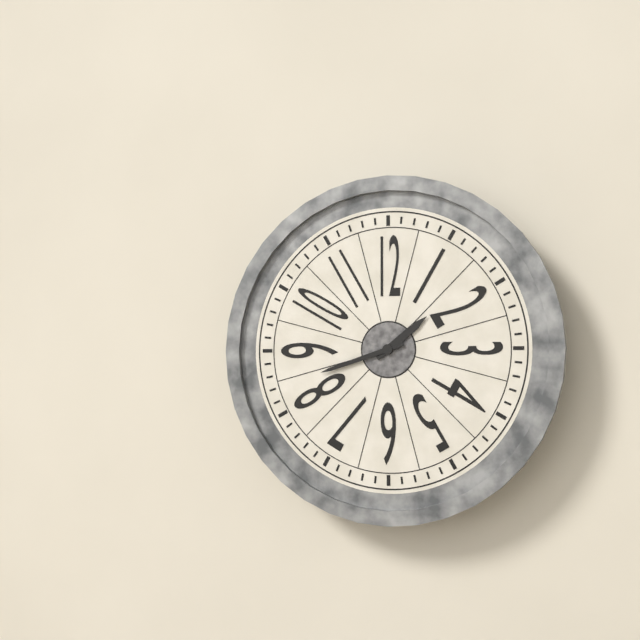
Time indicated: 1:42
